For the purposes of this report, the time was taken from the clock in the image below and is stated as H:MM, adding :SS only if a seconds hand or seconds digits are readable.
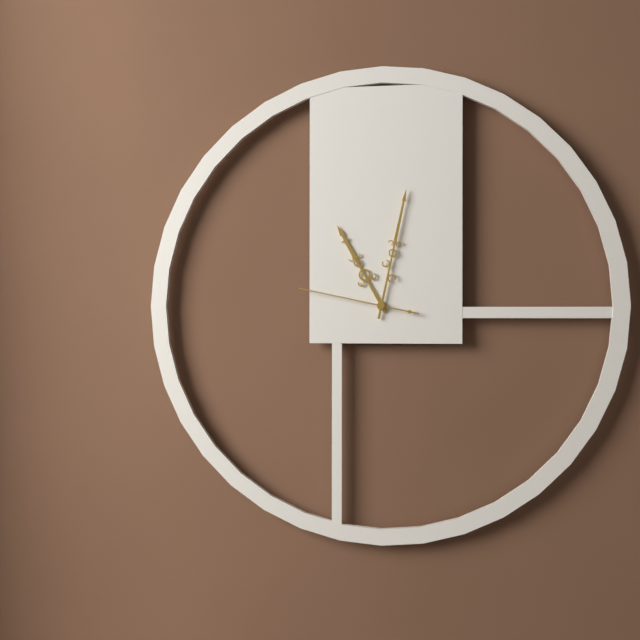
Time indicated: 11:02:47
